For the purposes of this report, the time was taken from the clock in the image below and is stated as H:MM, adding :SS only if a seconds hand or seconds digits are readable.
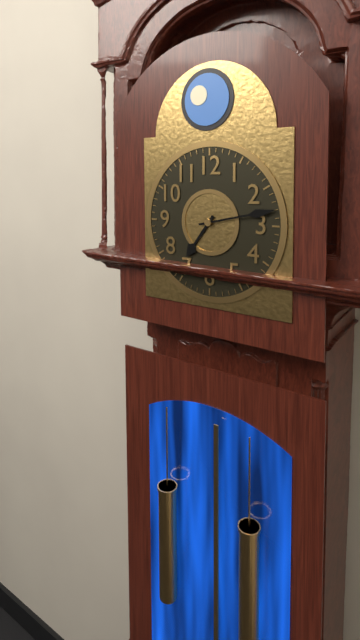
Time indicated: 7:13
